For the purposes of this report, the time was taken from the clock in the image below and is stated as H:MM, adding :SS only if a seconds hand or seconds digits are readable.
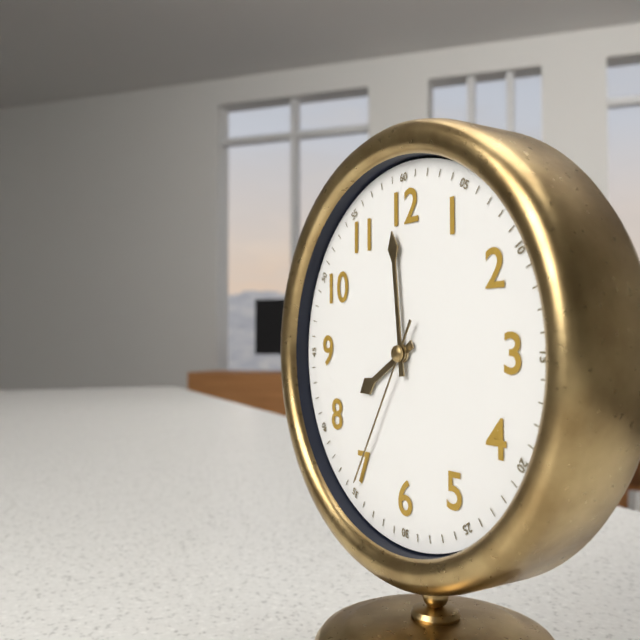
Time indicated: 7:59:35
